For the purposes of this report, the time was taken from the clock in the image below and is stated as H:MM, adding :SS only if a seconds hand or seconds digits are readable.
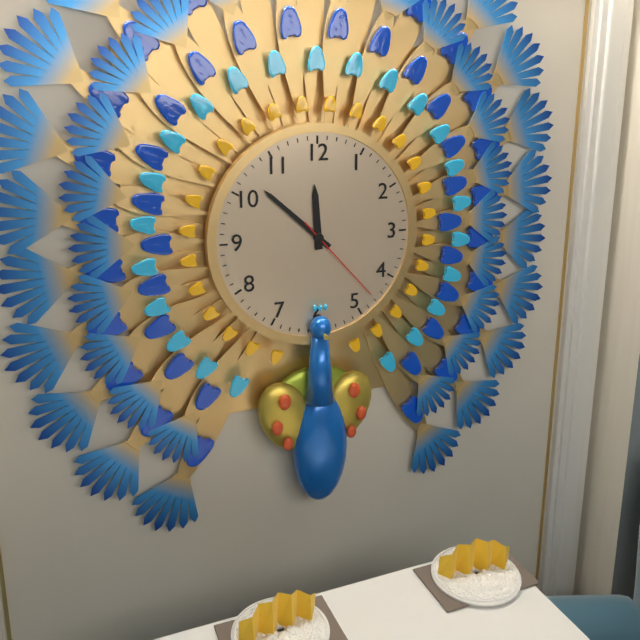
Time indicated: 11:52:23
